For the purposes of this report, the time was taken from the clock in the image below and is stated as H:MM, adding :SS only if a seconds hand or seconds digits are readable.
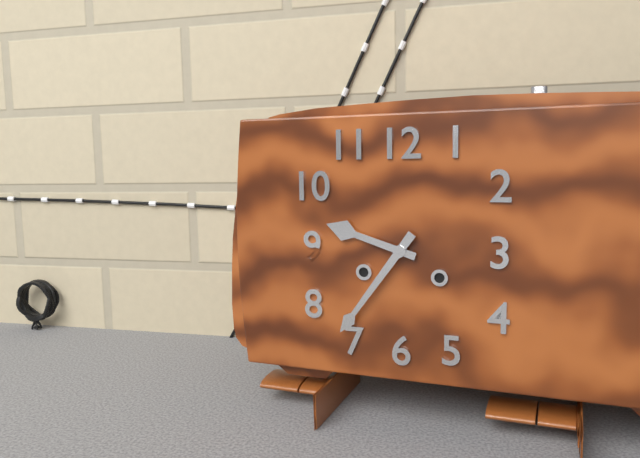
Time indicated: 9:36
